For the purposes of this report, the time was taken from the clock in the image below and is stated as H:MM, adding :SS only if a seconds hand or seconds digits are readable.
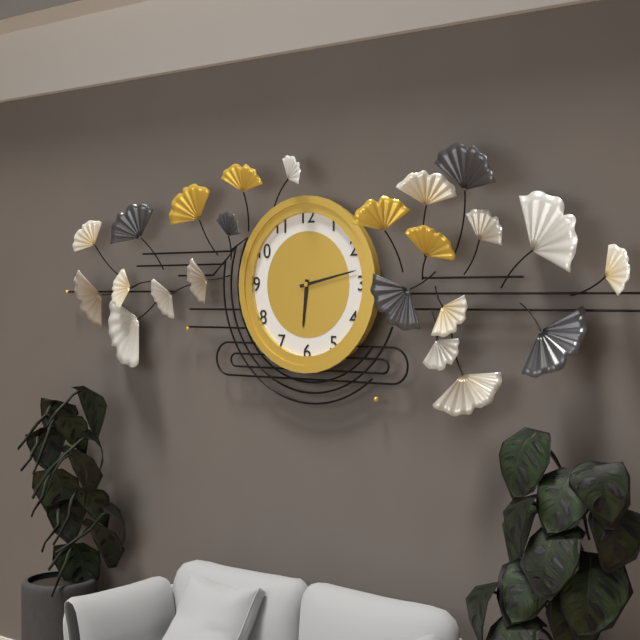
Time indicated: 6:13
